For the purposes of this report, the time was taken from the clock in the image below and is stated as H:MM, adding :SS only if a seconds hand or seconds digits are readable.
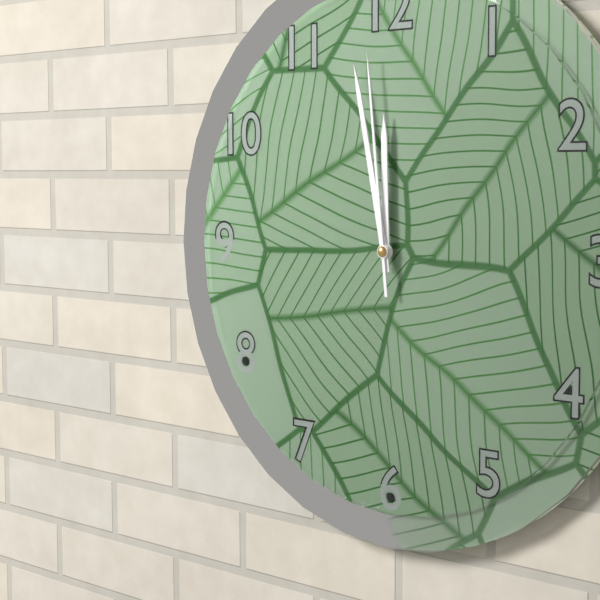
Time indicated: 11:58:59
